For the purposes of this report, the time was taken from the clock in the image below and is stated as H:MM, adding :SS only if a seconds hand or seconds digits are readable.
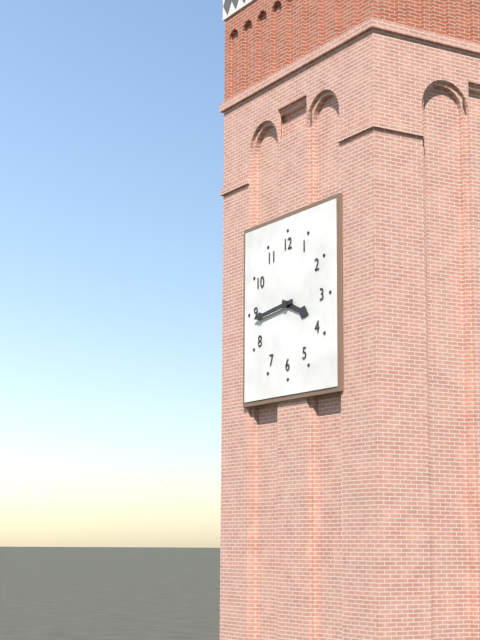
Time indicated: 3:44
